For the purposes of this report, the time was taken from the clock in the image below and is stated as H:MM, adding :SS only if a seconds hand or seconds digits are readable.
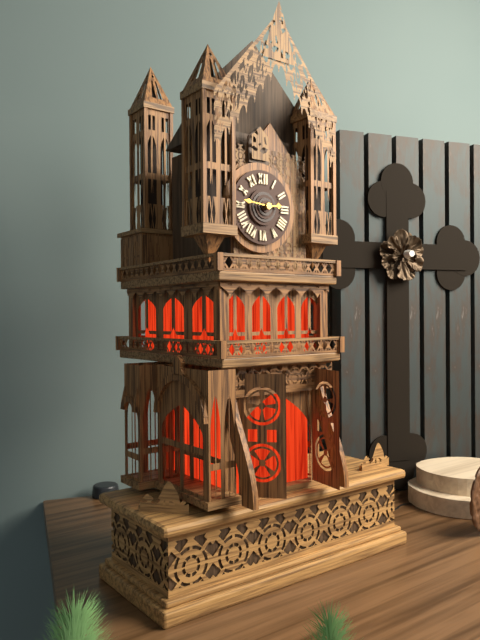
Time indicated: 2:46
